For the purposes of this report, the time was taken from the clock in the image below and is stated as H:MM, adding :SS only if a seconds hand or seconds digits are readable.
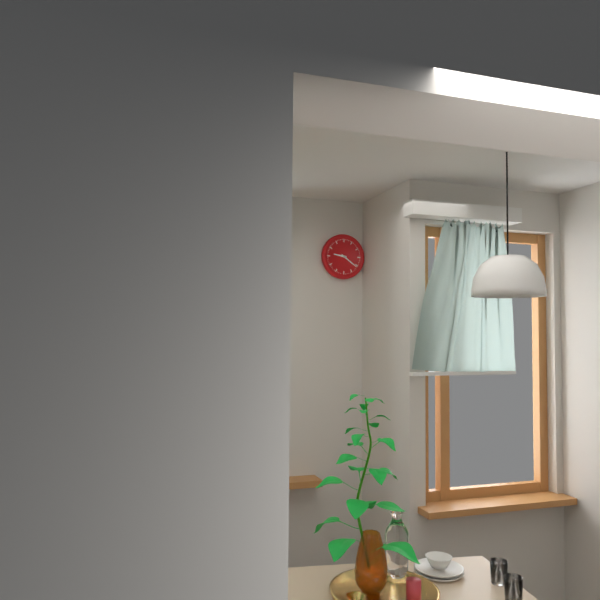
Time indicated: 9:21
